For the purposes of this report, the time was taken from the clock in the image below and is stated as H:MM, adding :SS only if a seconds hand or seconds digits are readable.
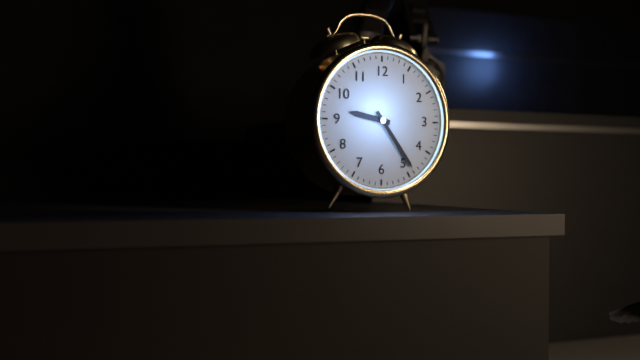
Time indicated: 9:24
